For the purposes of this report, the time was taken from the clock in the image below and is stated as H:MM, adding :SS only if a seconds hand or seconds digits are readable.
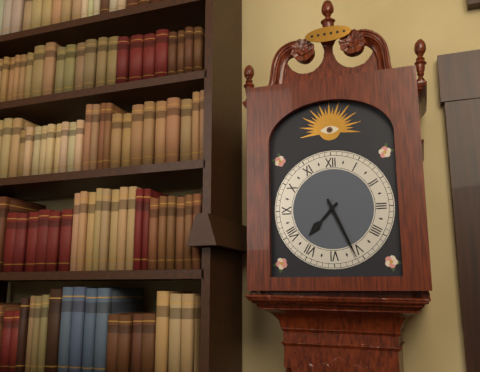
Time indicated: 7:26
